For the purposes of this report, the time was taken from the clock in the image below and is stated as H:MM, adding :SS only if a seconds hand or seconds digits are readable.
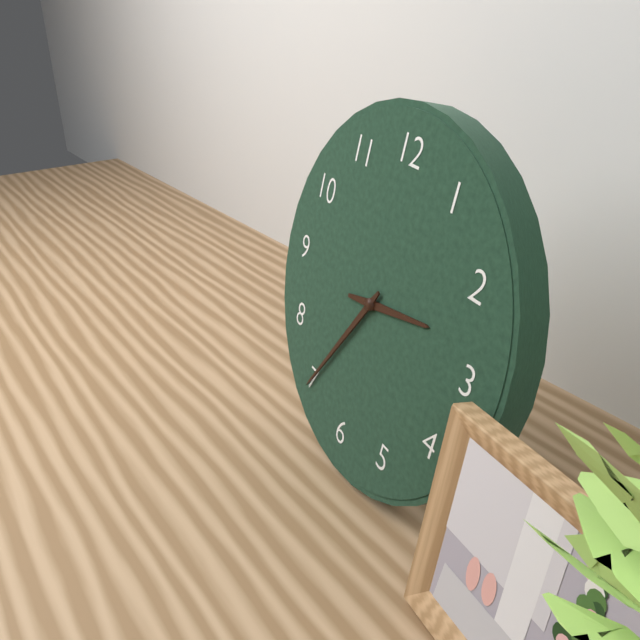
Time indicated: 2:35
